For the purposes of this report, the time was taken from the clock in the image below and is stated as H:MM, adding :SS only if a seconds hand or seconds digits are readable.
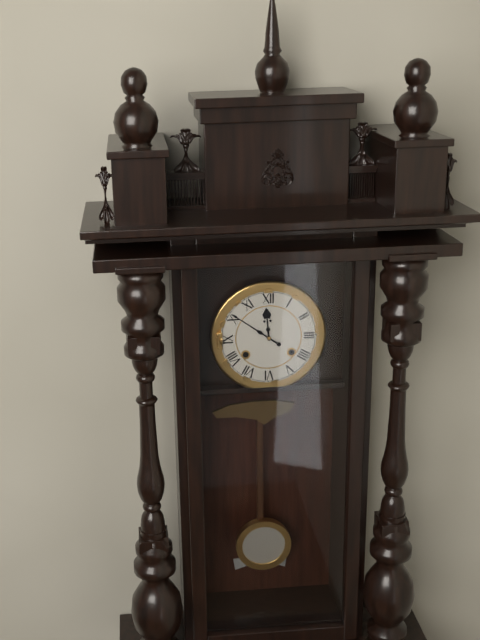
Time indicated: 11:51
